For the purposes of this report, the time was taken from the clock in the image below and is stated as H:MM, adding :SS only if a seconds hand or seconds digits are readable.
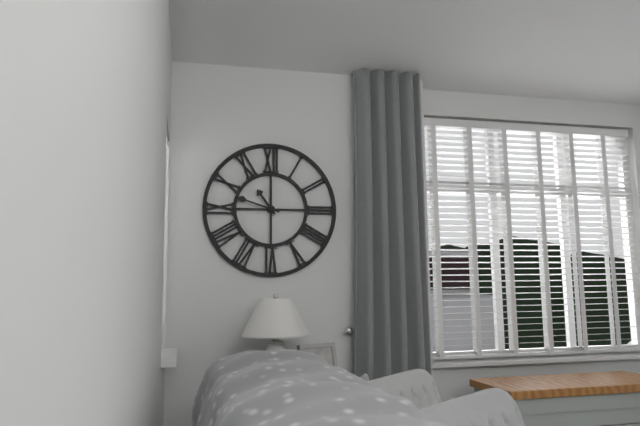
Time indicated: 10:48
